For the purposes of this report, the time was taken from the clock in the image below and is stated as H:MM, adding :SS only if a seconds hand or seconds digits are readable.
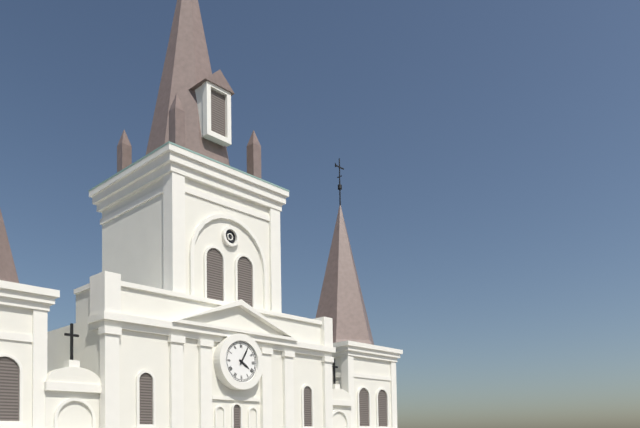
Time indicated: 4:05
